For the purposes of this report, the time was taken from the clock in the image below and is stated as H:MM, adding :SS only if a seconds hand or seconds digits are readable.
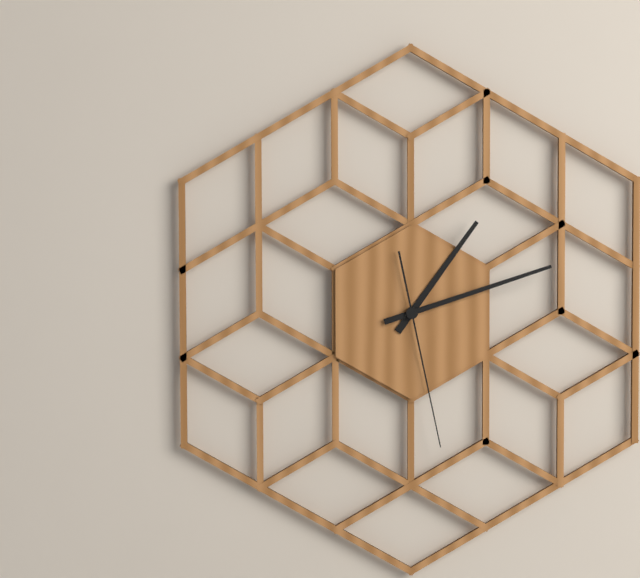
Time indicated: 1:12:28
